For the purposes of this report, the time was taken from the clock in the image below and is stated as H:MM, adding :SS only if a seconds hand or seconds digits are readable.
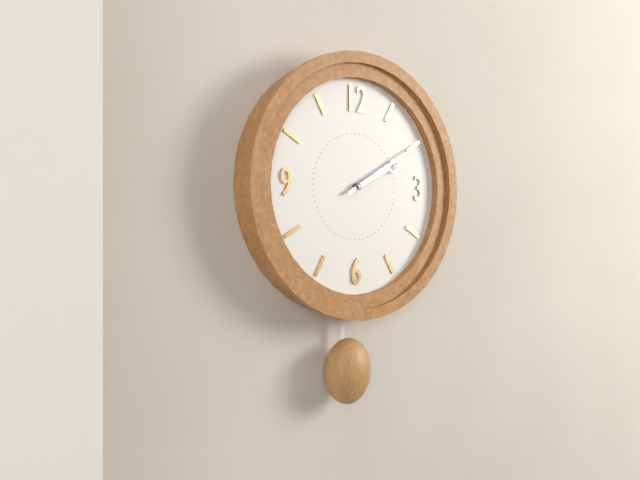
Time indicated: 2:10
